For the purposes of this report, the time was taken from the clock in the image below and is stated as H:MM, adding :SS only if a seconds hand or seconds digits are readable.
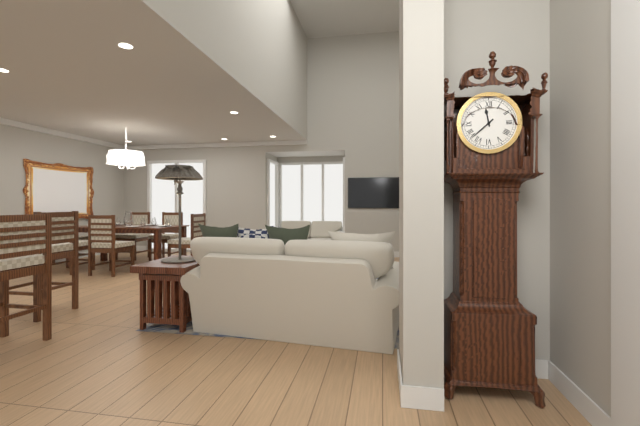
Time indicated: 11:38
